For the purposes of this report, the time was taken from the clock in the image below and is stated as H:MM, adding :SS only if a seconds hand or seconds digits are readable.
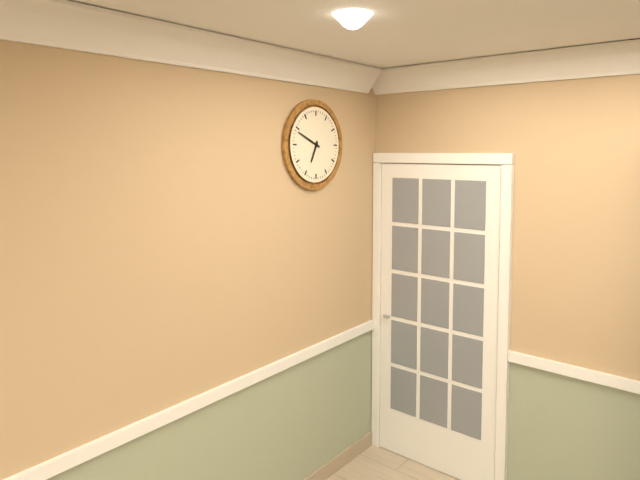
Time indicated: 6:49
